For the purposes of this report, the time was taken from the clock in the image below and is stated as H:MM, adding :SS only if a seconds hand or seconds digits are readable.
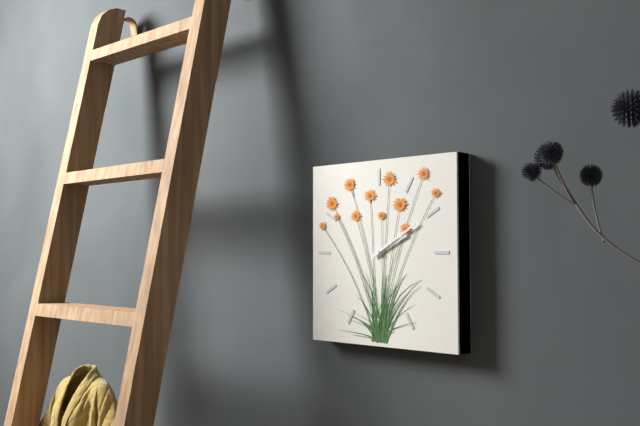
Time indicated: 2:10
